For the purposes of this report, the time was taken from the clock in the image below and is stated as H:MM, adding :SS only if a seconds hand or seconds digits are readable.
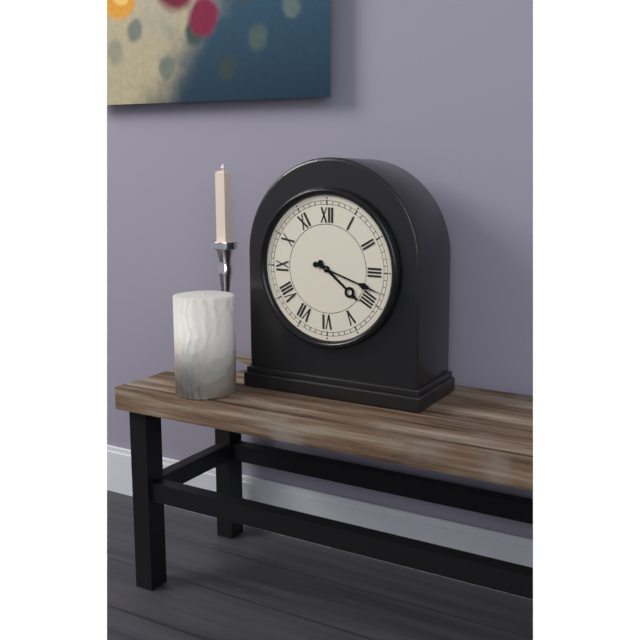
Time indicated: 4:18
